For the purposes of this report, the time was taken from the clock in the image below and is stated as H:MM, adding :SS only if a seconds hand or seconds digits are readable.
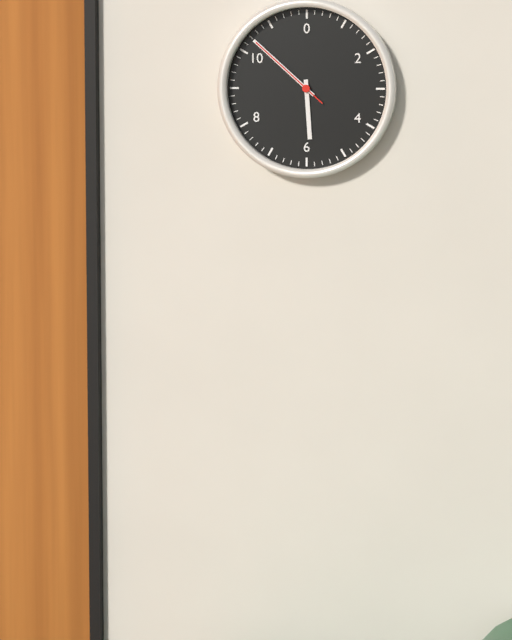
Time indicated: 5:52:52
